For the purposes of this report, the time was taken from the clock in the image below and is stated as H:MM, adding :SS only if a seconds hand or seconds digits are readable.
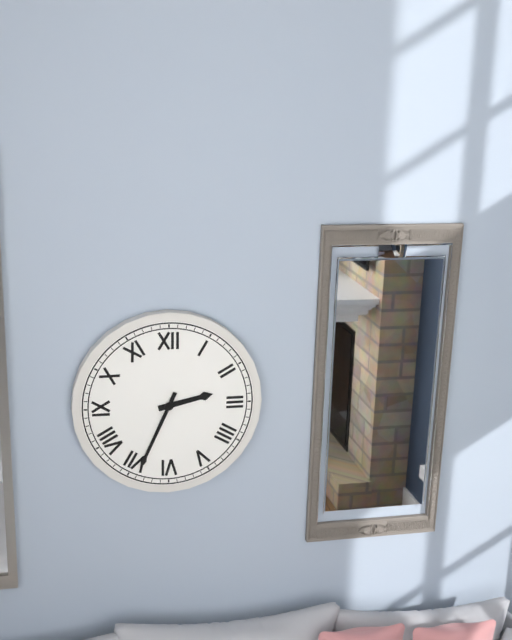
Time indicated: 2:34
